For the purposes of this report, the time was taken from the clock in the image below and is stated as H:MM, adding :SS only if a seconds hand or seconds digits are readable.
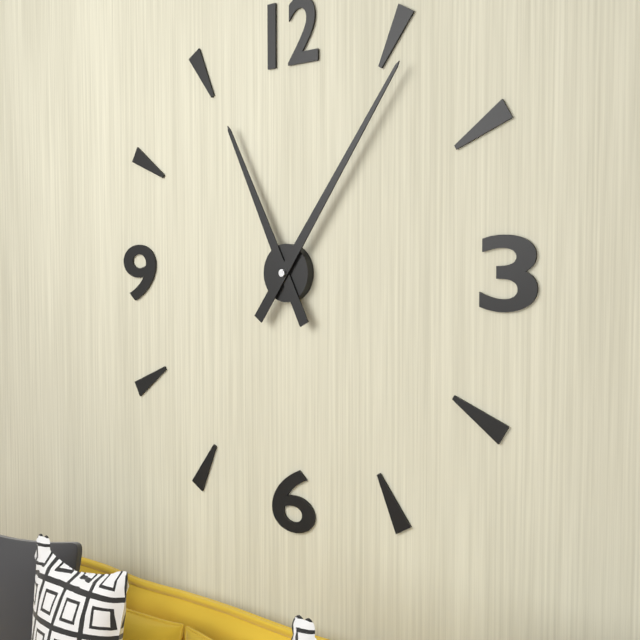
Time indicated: 11:06
